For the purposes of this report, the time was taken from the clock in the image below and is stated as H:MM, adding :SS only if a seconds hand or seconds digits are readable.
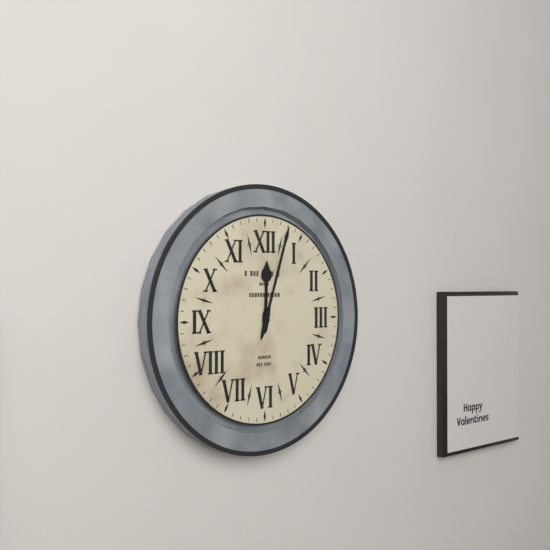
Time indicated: 12:03
